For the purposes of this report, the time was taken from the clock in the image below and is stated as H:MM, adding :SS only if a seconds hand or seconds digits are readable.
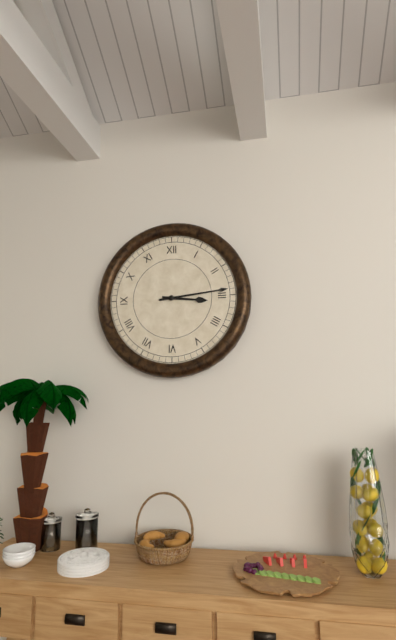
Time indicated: 3:14
